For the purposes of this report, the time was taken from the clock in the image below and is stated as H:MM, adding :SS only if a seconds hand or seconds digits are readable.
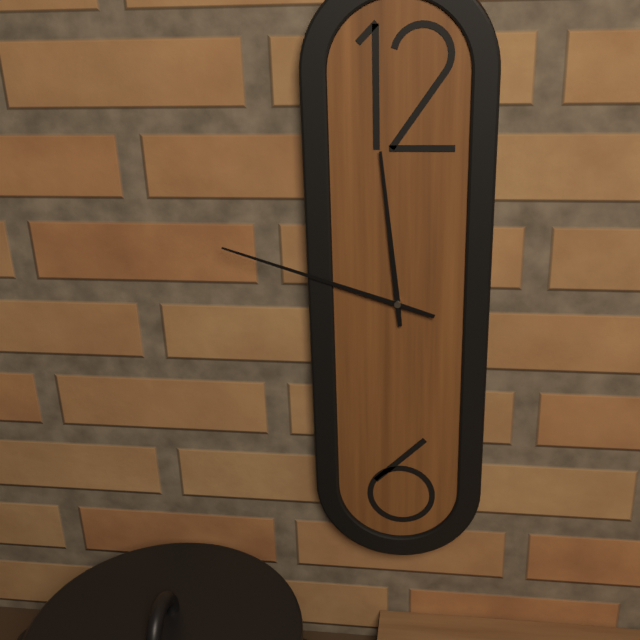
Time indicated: 11:48
